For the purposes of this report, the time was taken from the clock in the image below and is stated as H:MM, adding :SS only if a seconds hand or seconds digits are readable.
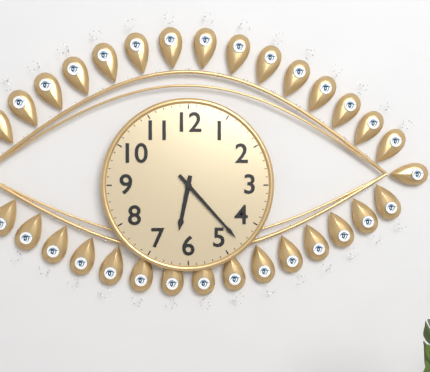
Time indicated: 6:23
